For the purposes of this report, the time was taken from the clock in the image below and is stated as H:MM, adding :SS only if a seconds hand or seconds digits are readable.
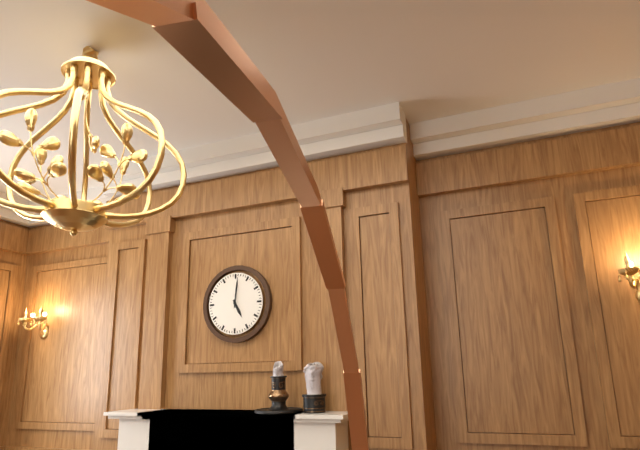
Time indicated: 5:01
